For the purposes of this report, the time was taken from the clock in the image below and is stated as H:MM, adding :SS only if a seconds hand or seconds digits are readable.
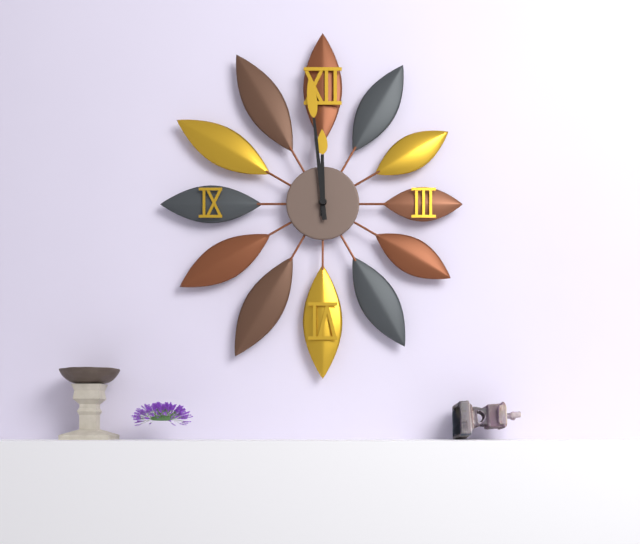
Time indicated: 11:59
